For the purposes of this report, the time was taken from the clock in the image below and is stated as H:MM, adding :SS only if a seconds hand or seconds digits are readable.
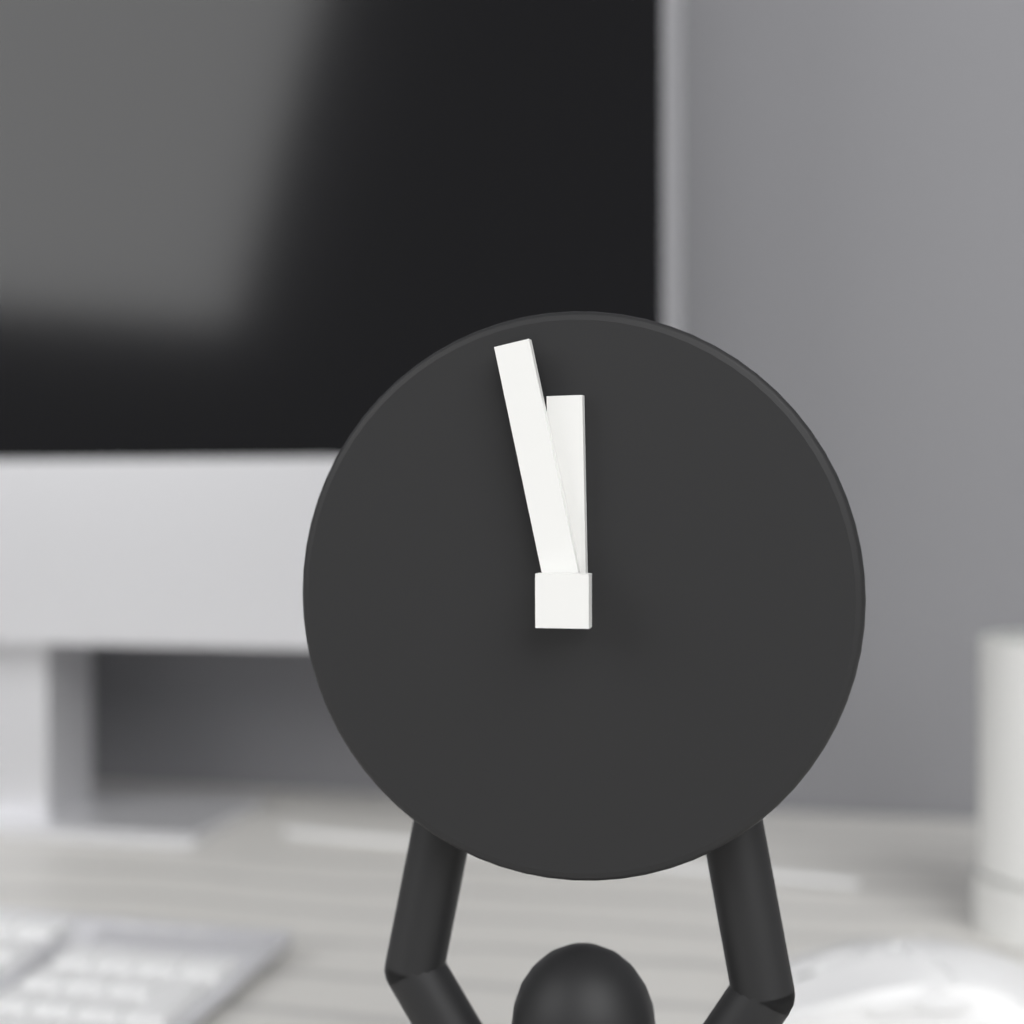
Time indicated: 11:58
